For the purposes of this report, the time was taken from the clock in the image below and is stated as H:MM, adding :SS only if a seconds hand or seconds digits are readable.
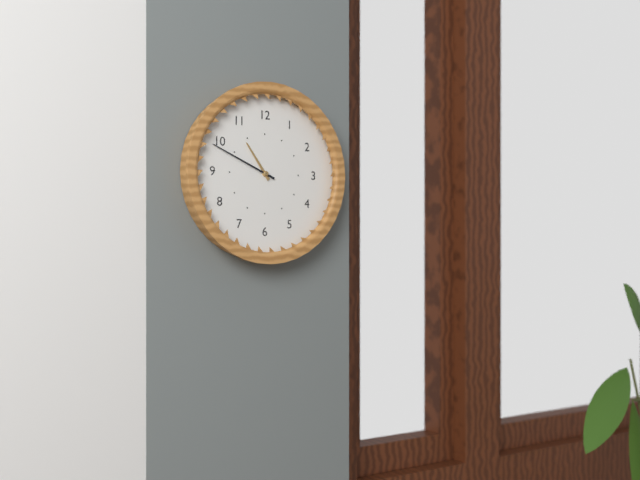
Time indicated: 10:49
